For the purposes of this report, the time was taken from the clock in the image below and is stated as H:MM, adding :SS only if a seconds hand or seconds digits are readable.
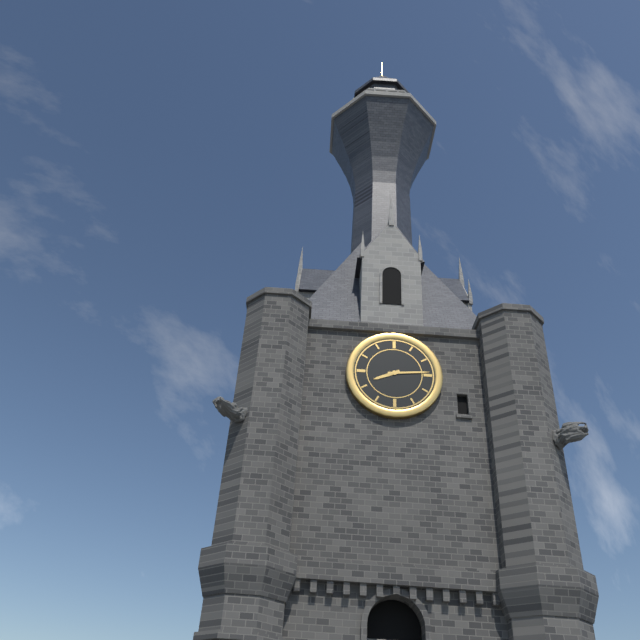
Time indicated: 8:14
